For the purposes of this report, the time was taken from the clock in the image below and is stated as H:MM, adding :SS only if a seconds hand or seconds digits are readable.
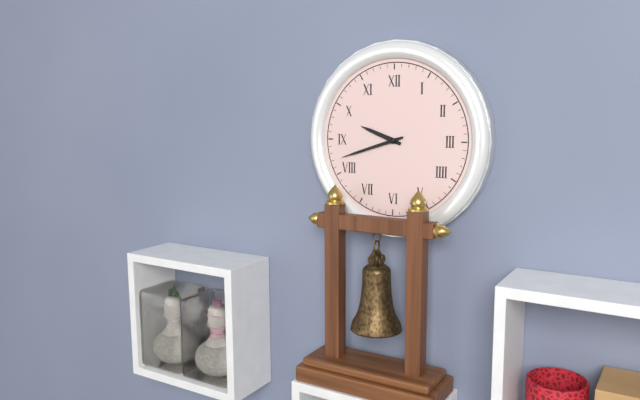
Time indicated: 9:42
